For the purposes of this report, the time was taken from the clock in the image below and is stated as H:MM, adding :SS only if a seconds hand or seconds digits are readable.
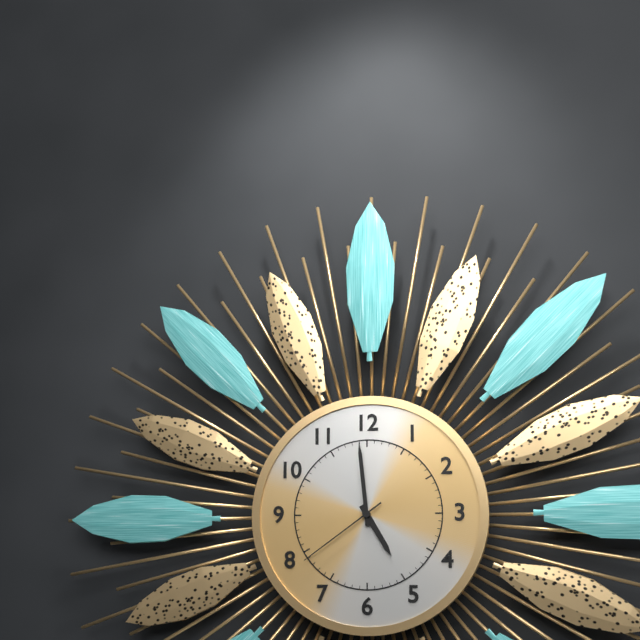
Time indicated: 4:59:39
